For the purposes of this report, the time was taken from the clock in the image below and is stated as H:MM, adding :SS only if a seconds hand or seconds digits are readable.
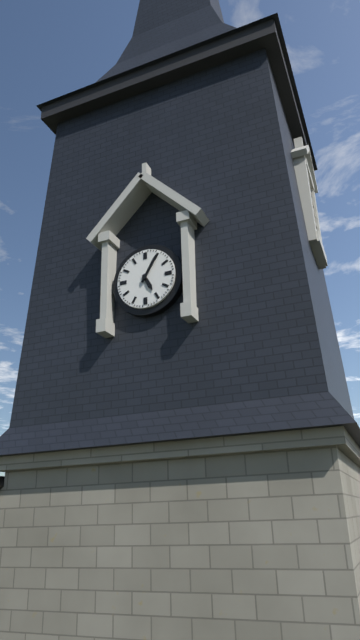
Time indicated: 5:05
